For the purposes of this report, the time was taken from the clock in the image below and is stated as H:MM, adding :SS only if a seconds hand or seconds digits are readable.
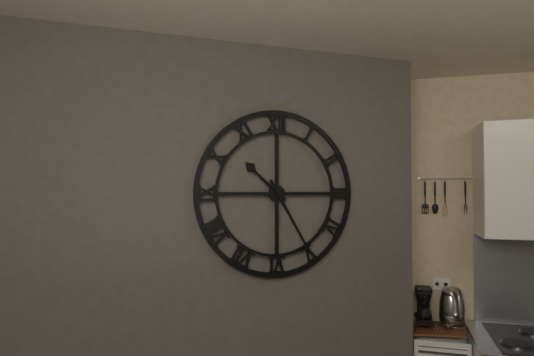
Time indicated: 10:25
